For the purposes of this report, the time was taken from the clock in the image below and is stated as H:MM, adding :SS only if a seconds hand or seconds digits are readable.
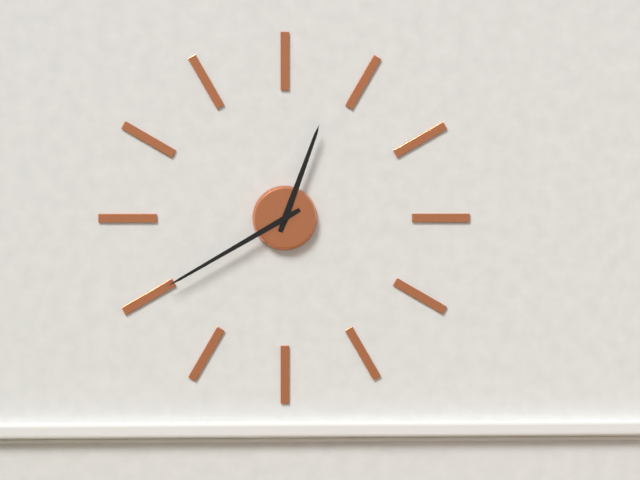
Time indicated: 12:40
